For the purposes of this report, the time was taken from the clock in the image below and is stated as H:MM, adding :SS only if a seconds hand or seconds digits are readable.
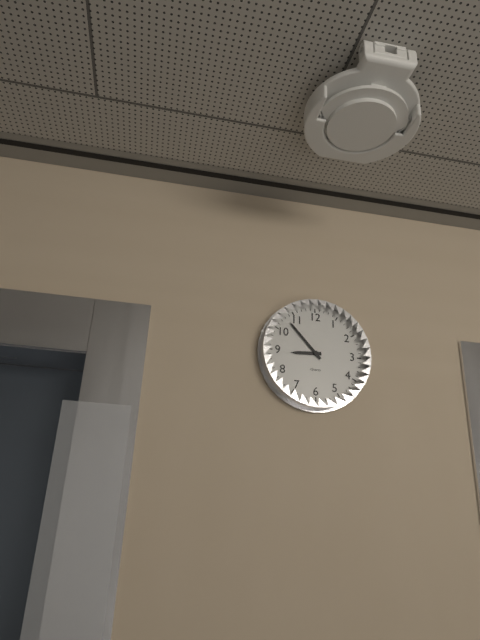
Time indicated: 8:53
